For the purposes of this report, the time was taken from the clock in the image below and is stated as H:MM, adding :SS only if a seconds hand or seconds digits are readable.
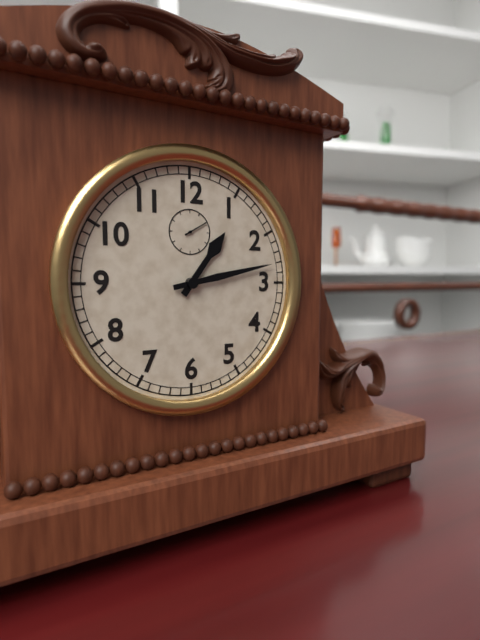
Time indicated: 1:13
